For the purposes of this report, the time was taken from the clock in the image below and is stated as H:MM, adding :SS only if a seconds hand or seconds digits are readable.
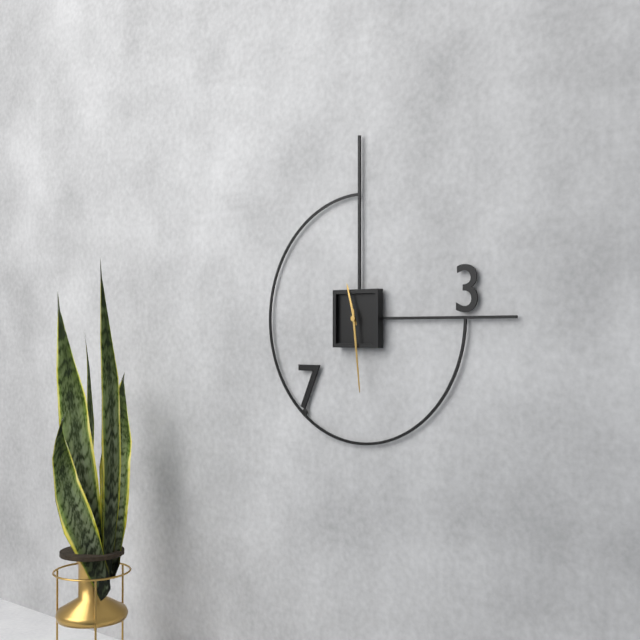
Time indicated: 11:29
